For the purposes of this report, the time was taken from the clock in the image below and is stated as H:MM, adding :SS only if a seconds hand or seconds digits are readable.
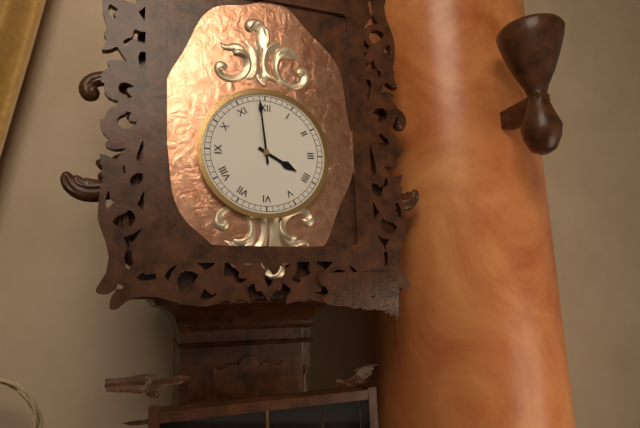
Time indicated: 3:59
